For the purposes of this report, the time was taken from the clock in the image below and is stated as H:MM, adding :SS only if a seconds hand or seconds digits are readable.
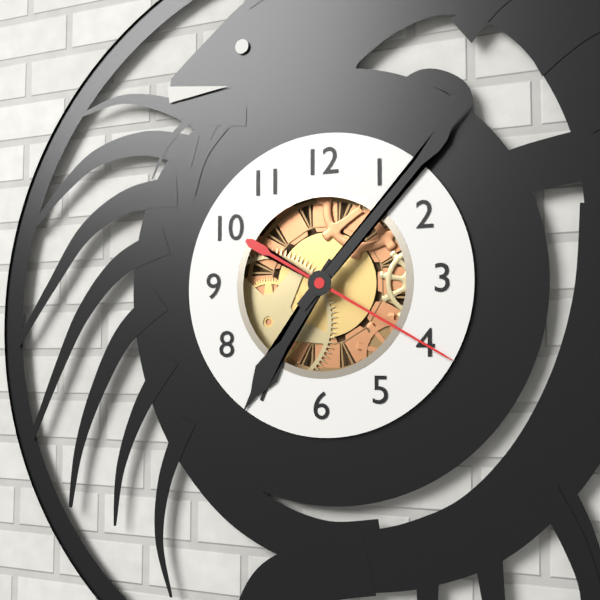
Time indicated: 7:07:20
